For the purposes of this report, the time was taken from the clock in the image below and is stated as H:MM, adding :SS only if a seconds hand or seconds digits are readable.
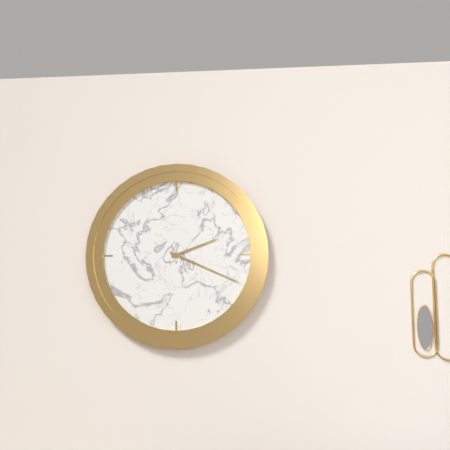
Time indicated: 2:19
